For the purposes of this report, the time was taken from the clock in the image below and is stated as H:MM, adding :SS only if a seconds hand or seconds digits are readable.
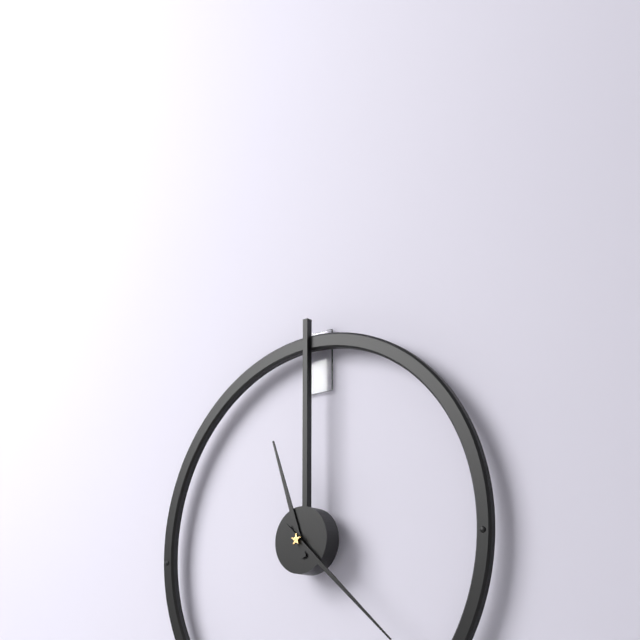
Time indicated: 11:22
